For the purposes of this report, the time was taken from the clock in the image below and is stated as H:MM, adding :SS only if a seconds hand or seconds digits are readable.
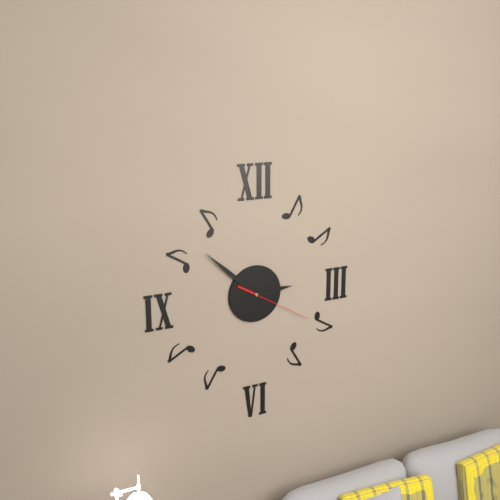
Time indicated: 2:52:20
